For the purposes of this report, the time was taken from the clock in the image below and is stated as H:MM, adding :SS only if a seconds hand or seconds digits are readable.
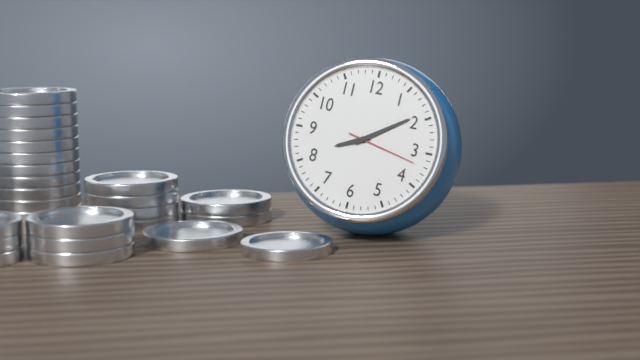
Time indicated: 8:09:17
